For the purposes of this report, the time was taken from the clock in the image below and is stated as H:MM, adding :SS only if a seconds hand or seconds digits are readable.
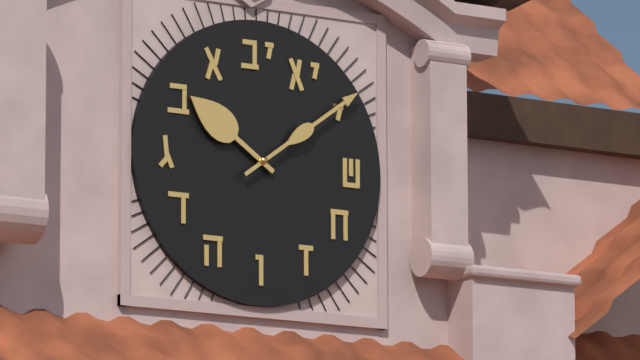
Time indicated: 10:09
